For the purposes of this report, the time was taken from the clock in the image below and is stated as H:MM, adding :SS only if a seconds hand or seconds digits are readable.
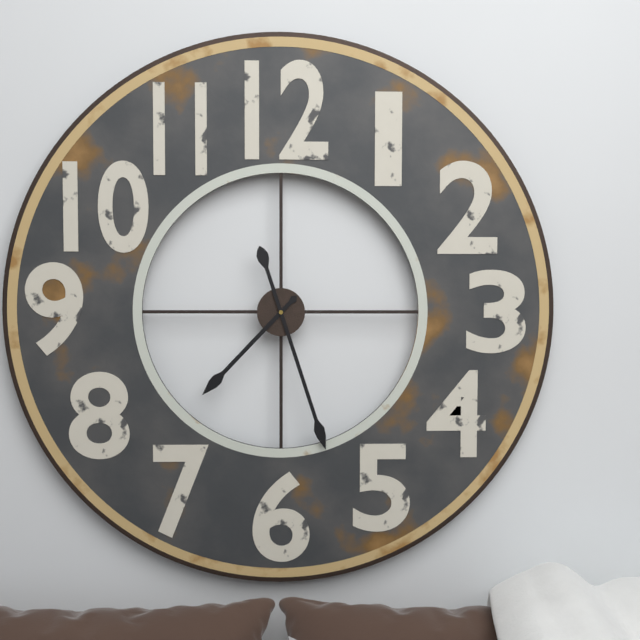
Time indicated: 7:27
